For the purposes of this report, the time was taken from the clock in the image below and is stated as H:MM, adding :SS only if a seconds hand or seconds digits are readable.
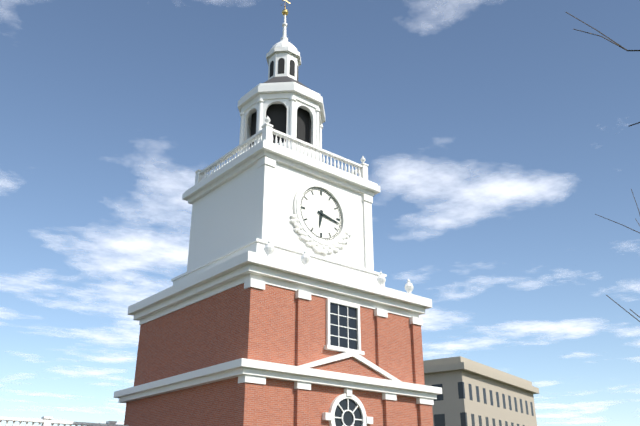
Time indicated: 6:17
